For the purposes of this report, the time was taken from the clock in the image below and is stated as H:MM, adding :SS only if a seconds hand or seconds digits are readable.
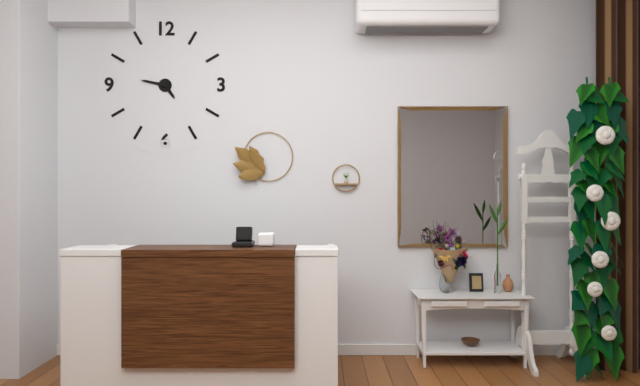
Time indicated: 4:47
